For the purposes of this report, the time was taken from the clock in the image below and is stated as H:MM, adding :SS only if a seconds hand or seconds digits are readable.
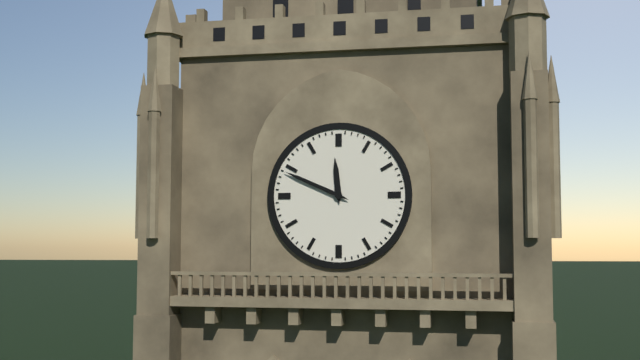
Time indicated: 11:49
